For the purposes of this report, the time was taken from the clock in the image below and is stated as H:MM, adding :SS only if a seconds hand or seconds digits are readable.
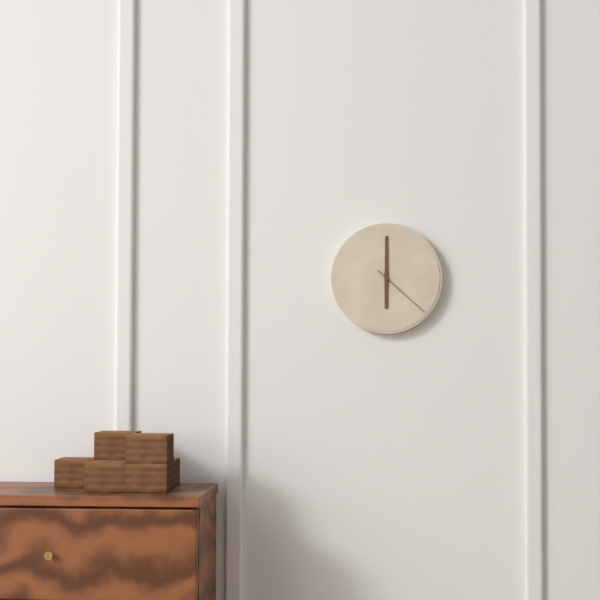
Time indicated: 6:00:22
